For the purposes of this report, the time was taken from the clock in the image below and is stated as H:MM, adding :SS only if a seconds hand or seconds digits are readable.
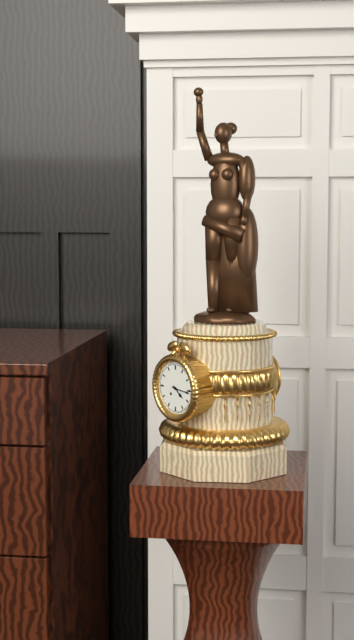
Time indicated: 4:16
